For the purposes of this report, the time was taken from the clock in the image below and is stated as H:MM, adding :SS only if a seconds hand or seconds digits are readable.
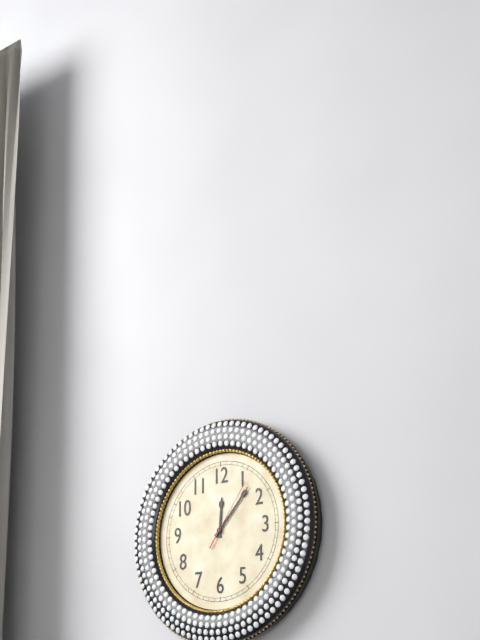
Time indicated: 12:07:06
